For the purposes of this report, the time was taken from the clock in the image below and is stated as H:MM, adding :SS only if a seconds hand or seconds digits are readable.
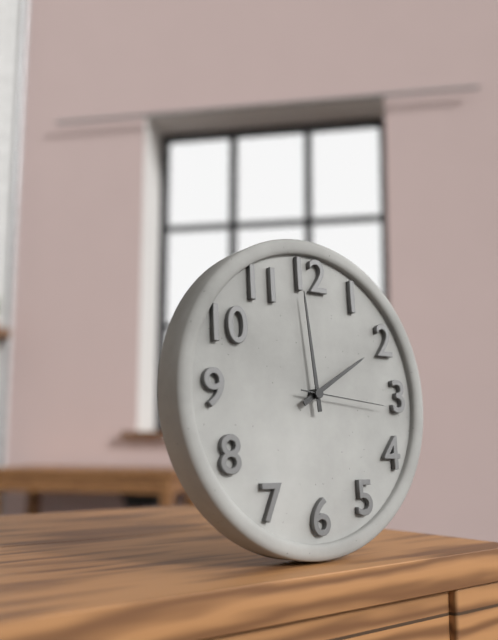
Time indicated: 1:59:16
